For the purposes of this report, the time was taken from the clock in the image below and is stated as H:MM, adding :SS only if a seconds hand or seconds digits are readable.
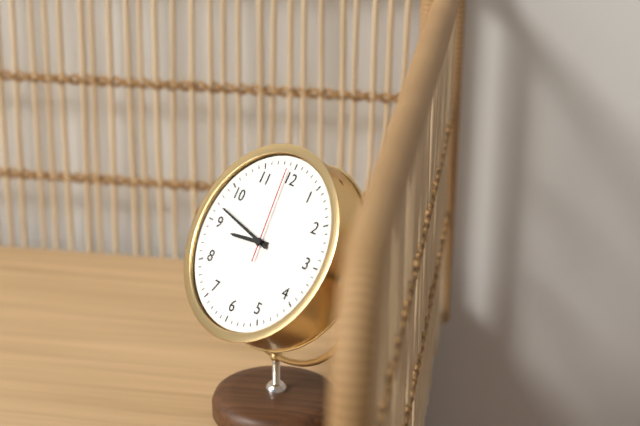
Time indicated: 8:47:59
